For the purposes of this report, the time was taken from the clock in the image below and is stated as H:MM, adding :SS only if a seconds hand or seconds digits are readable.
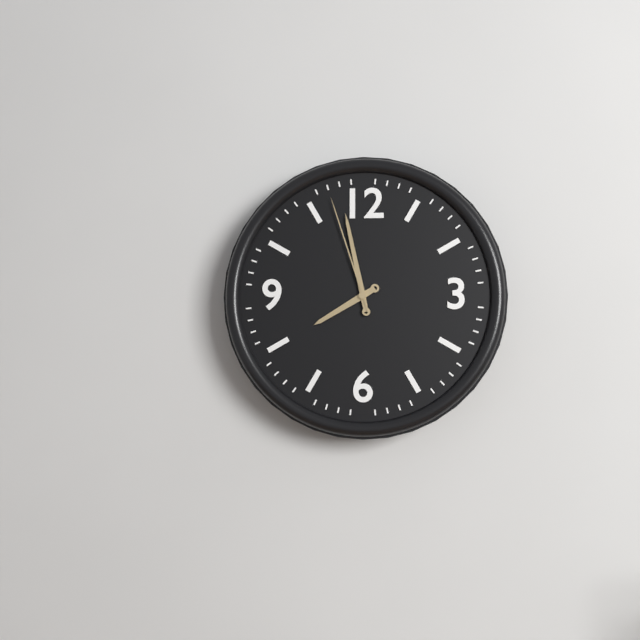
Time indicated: 7:58:57
